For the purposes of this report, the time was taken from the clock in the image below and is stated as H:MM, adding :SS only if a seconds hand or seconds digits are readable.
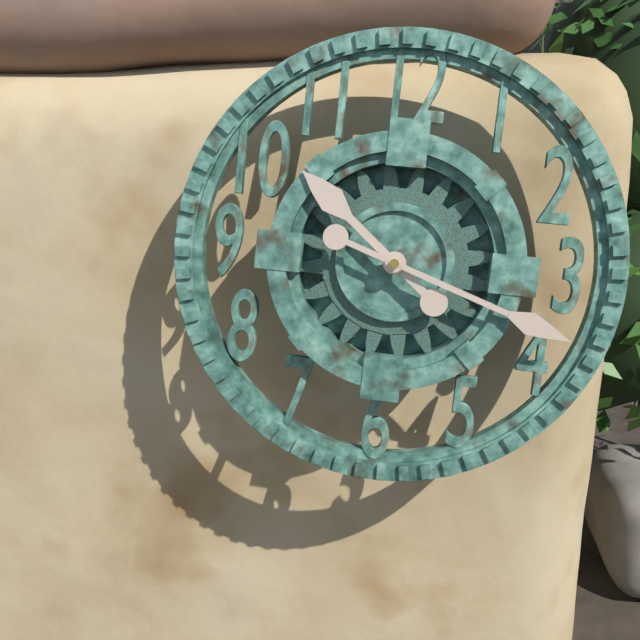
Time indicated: 10:18
